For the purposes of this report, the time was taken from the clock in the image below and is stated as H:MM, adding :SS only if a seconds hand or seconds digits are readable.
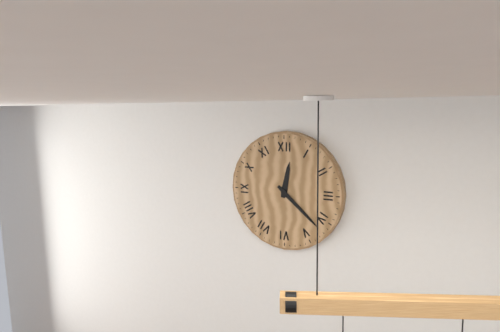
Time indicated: 12:22
